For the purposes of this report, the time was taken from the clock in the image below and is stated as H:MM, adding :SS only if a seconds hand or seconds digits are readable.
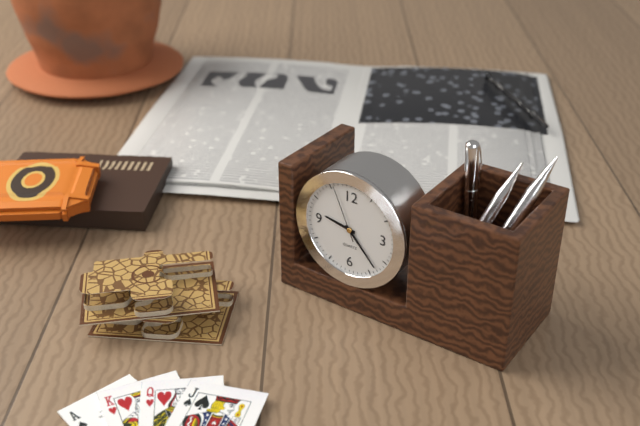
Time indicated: 9:23:56
